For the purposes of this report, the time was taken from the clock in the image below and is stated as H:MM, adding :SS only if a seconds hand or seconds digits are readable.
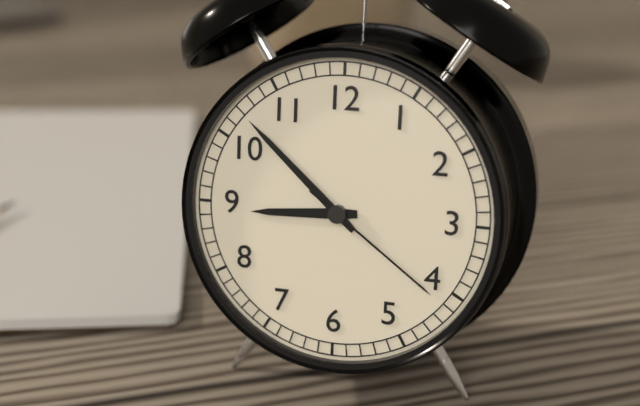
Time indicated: 8:52:21
